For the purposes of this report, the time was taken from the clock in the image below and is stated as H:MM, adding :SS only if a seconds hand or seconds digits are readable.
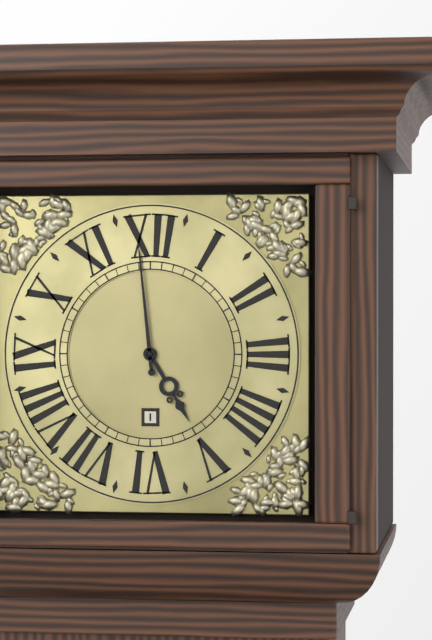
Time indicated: 4:59
